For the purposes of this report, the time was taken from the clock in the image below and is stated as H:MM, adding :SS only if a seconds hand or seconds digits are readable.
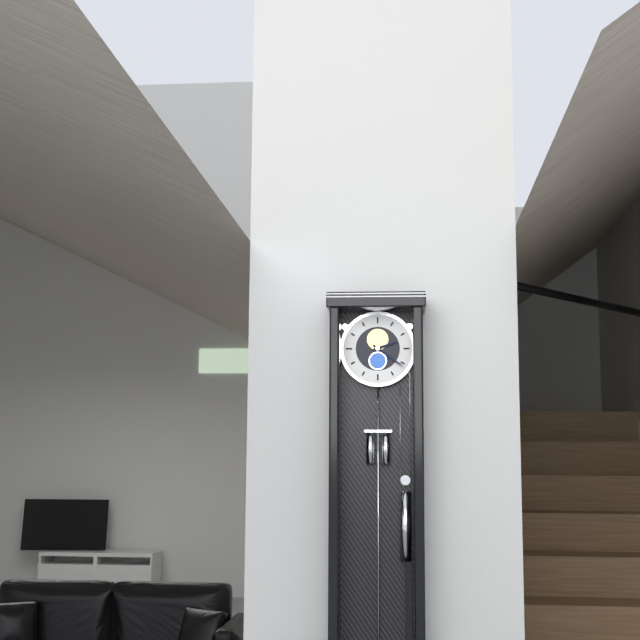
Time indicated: 2:21
